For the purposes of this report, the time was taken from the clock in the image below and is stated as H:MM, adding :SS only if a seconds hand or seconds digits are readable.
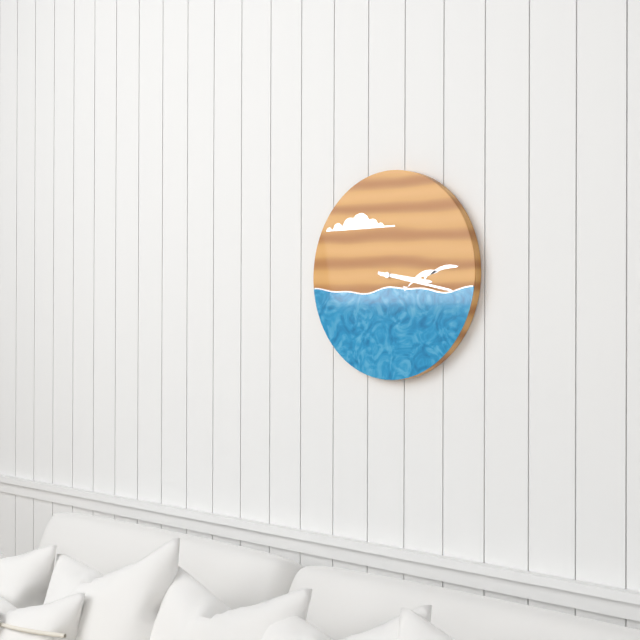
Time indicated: 3:17
